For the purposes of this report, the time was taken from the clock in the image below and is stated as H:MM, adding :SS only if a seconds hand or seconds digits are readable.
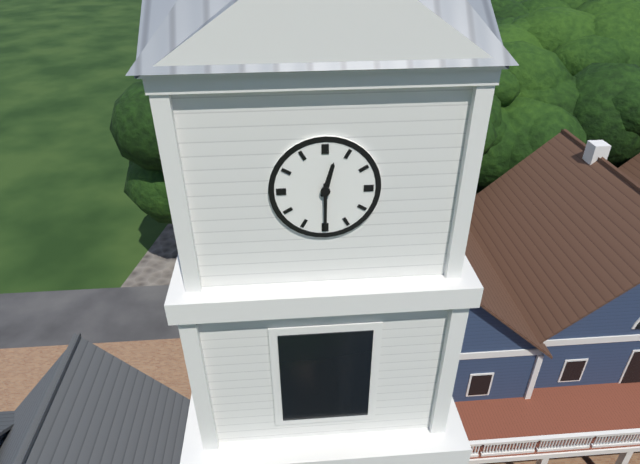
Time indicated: 12:30
